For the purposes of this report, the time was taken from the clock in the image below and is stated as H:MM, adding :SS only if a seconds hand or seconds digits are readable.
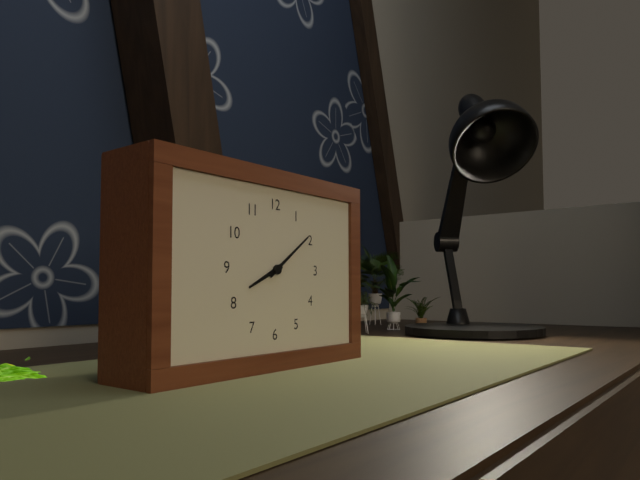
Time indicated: 8:09
